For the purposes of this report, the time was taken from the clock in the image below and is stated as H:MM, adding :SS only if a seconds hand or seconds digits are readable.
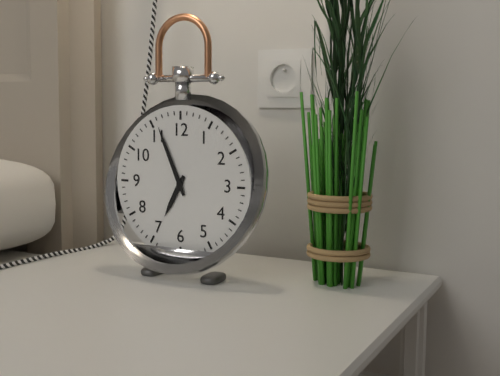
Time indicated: 6:56
